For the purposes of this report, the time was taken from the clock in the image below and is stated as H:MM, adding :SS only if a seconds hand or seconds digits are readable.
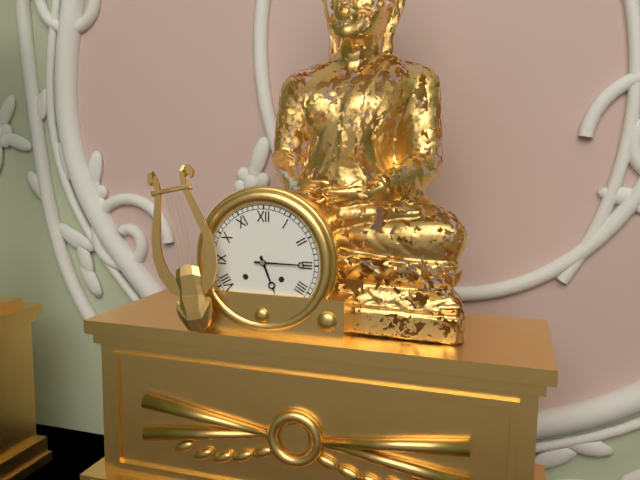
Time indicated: 5:15
